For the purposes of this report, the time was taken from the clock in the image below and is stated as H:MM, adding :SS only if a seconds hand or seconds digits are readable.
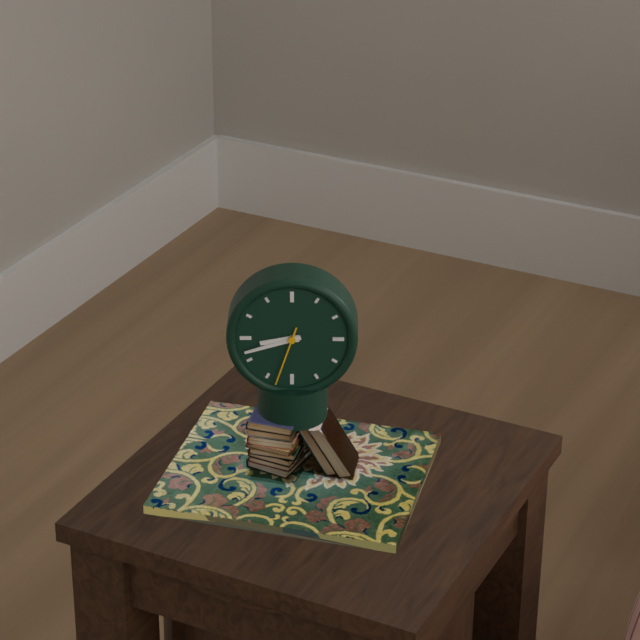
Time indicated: 8:42:33
